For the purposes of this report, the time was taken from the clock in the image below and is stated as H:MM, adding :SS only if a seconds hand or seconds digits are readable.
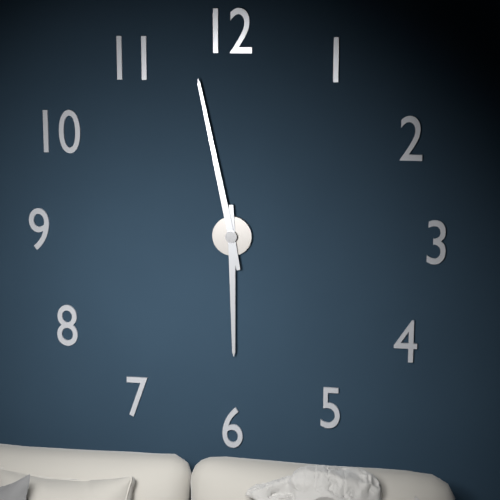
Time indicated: 5:58
